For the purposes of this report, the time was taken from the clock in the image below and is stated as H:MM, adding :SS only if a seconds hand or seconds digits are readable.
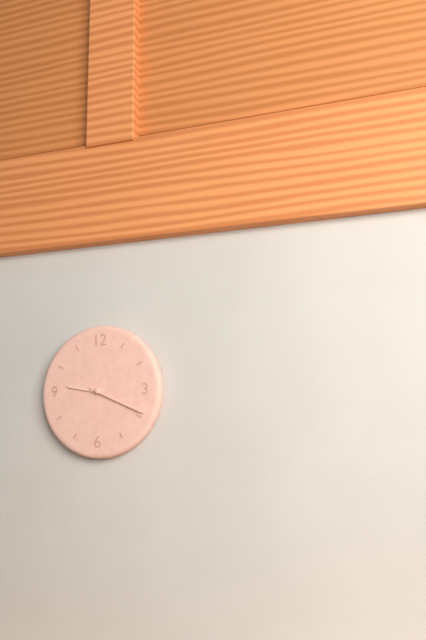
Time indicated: 9:19
